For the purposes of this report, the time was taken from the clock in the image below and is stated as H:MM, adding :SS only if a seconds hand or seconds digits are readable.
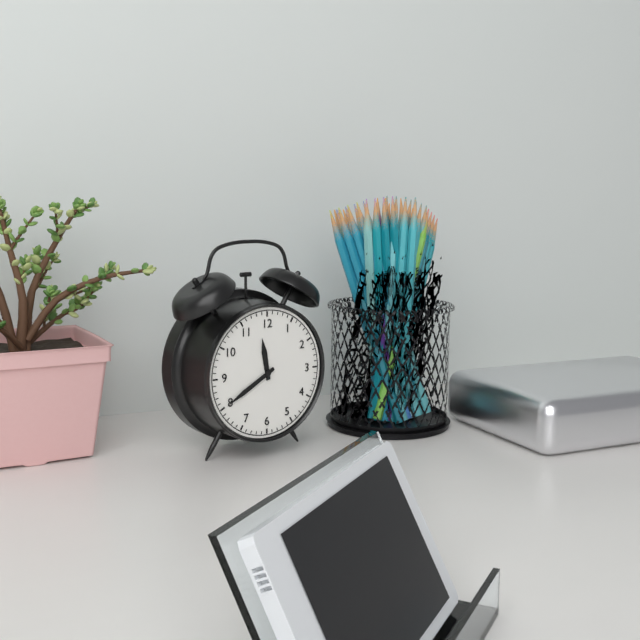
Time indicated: 11:40
